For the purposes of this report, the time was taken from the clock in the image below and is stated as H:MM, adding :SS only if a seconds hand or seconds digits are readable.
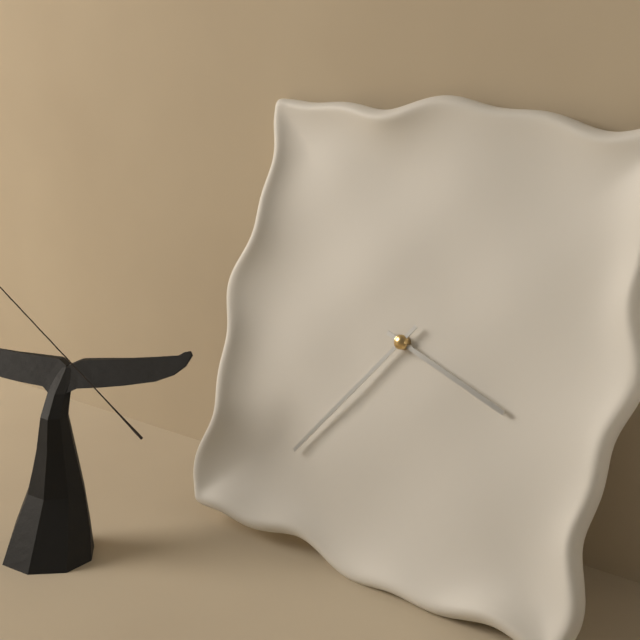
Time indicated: 3:36
